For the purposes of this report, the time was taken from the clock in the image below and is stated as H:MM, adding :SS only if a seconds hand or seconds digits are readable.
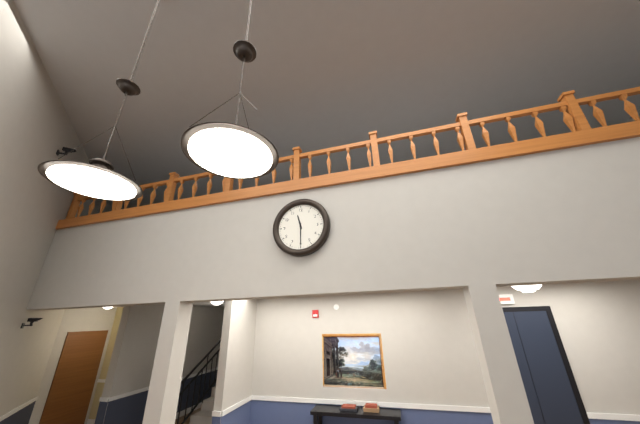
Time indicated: 11:30
